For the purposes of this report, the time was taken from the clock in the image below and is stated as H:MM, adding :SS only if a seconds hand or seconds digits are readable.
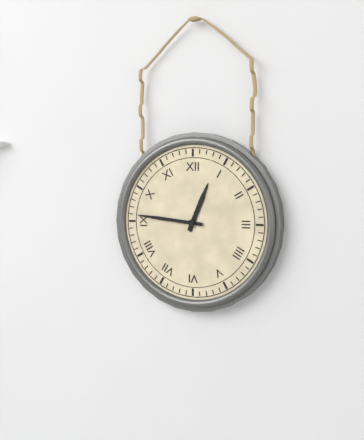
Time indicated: 12:46
